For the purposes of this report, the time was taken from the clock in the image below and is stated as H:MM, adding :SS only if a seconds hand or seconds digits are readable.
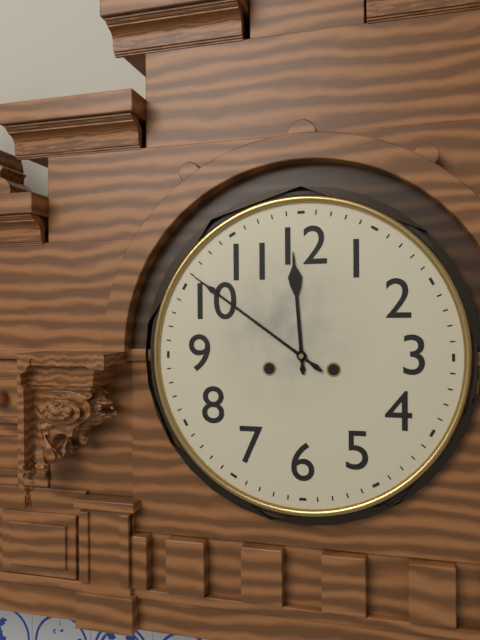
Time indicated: 11:51
